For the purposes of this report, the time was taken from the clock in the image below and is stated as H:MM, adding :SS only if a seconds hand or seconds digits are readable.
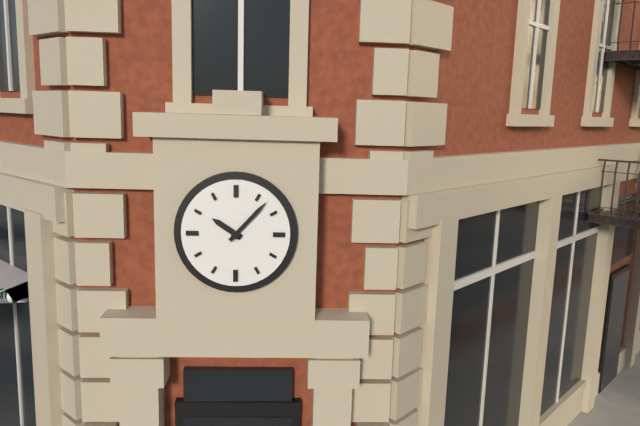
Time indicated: 10:07
